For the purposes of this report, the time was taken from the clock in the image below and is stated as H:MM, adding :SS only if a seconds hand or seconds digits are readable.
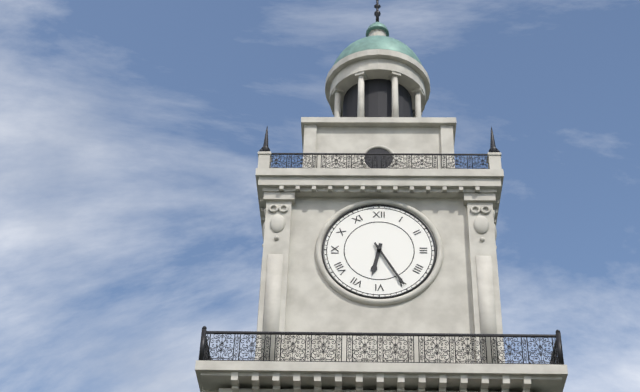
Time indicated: 6:25
